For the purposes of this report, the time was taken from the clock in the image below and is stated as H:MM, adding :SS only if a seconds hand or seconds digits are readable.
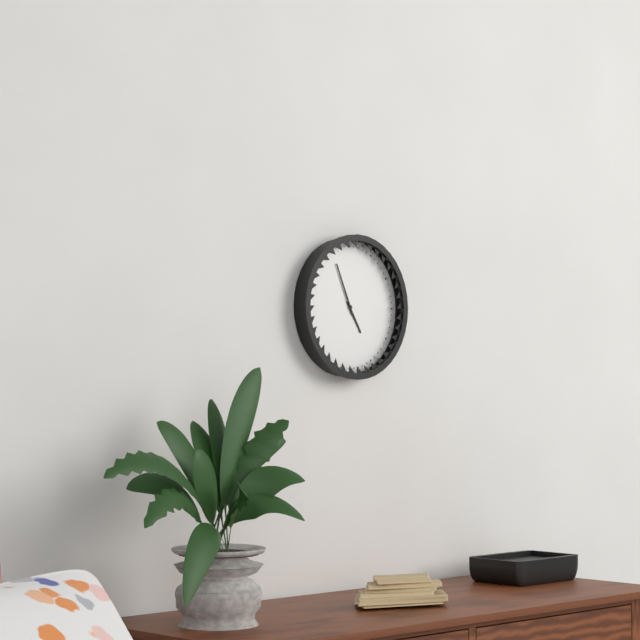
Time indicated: 4:56
